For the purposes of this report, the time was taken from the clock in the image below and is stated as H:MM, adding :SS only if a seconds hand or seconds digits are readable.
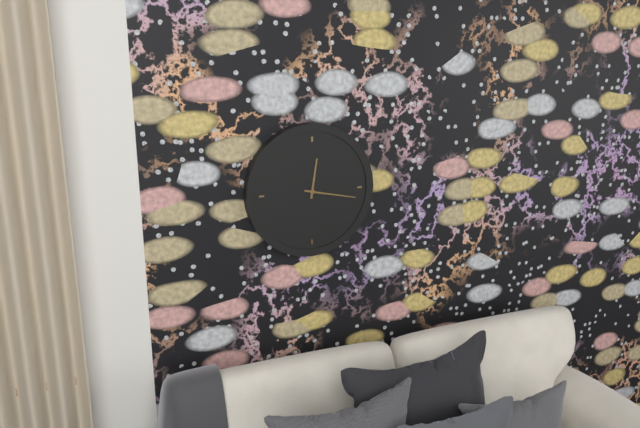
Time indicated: 12:17
